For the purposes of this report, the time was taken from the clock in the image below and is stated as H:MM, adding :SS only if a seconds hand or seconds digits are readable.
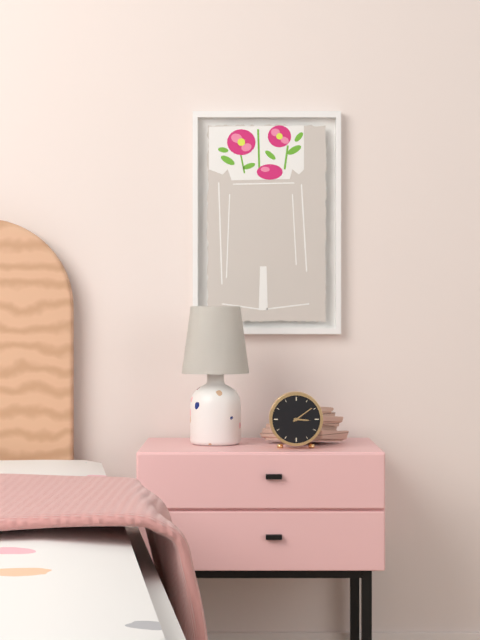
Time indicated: 3:09
